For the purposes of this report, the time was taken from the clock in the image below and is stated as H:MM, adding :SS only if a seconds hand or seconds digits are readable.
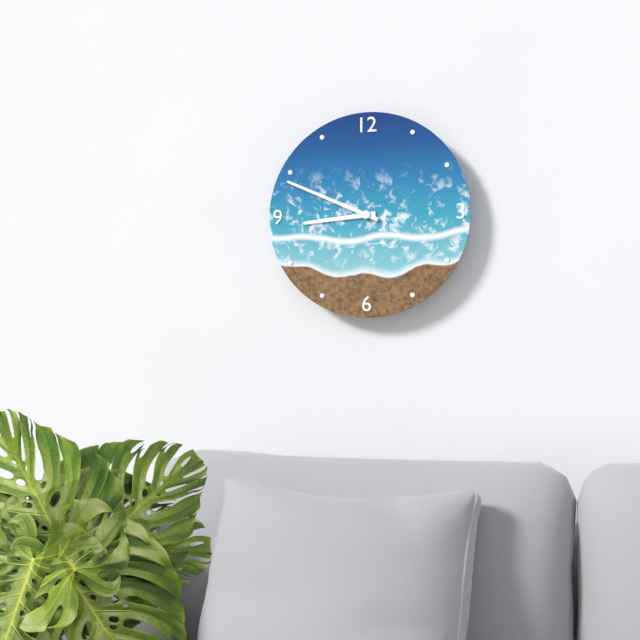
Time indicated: 8:49
